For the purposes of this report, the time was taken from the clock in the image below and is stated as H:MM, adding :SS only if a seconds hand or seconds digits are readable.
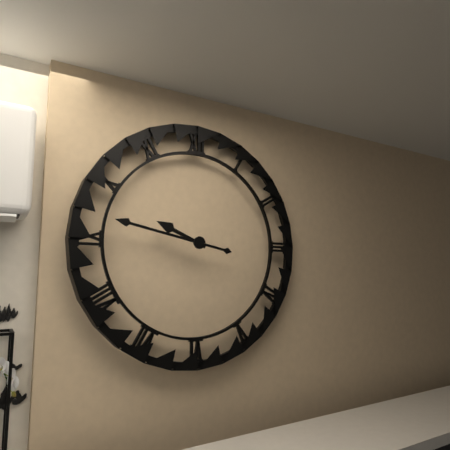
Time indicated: 9:47
